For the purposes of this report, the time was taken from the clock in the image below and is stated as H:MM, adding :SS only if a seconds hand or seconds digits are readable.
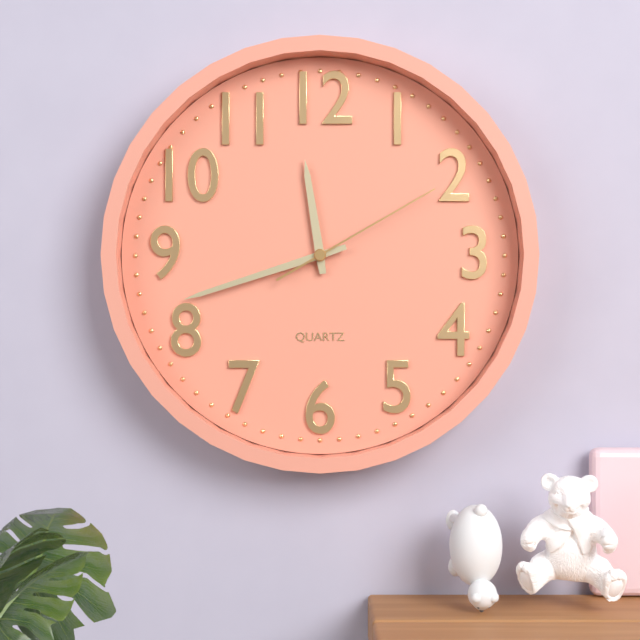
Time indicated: 11:42:10
